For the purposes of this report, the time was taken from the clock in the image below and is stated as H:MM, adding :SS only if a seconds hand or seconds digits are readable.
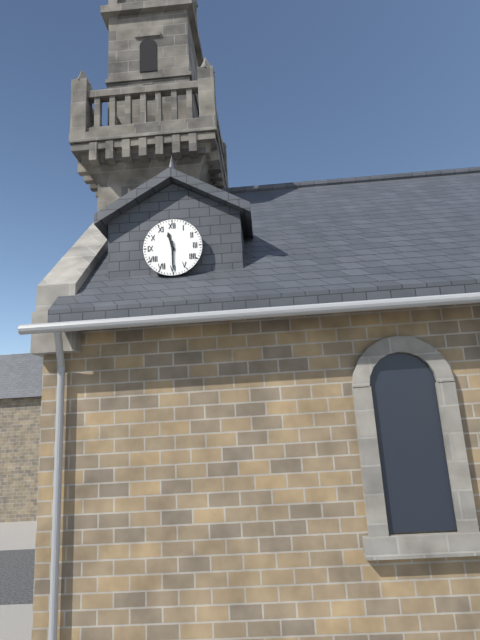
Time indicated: 11:30
